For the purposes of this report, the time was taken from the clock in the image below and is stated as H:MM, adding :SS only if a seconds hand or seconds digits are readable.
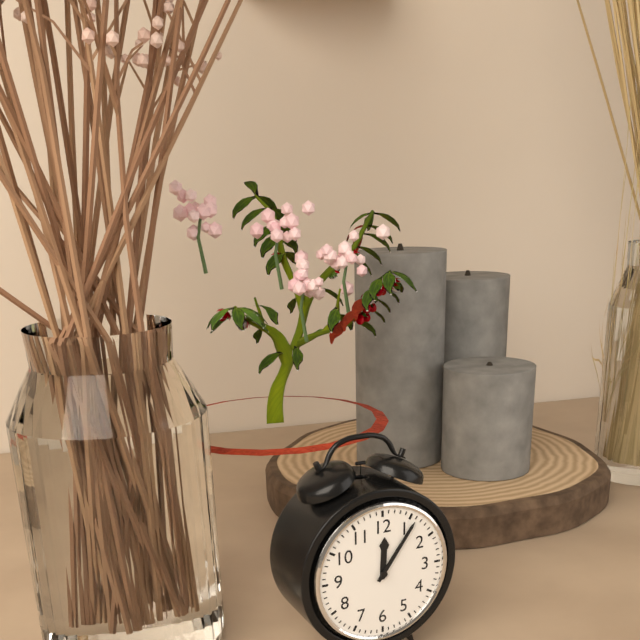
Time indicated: 12:06
